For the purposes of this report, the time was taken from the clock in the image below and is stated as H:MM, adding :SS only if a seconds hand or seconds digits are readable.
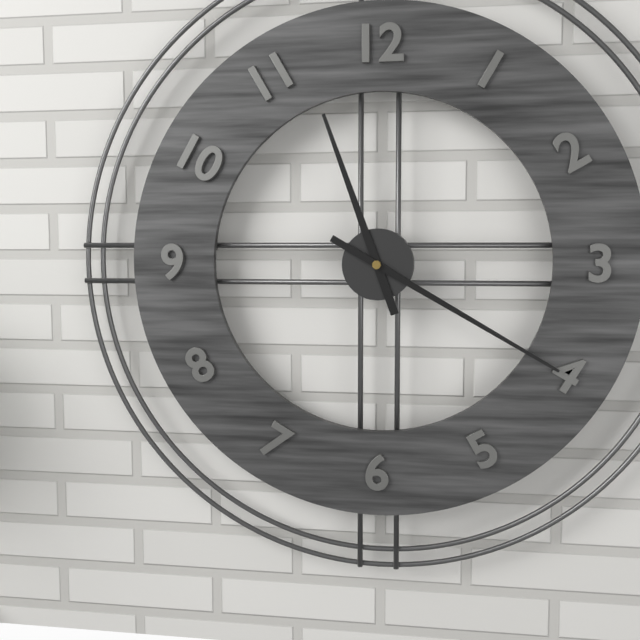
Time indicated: 11:20
